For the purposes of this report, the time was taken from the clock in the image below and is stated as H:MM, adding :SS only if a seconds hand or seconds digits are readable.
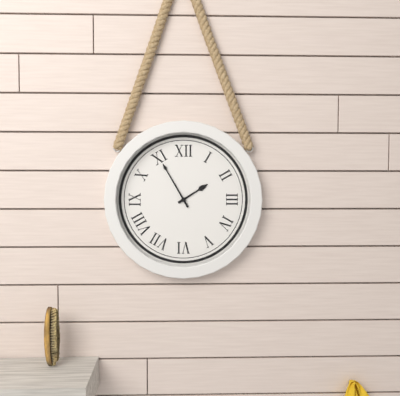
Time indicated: 1:55
